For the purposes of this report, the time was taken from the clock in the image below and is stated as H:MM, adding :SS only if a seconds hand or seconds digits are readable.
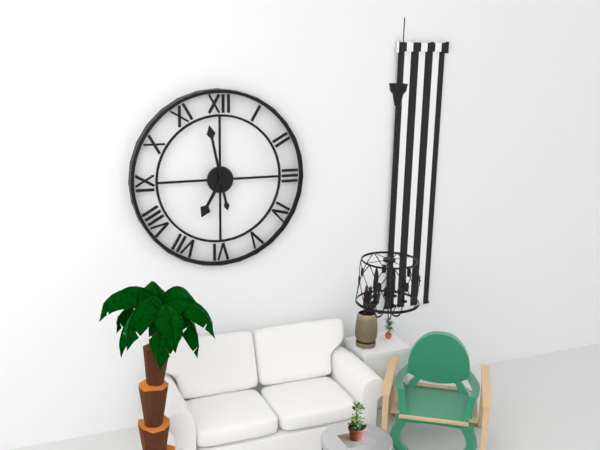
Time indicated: 6:58
